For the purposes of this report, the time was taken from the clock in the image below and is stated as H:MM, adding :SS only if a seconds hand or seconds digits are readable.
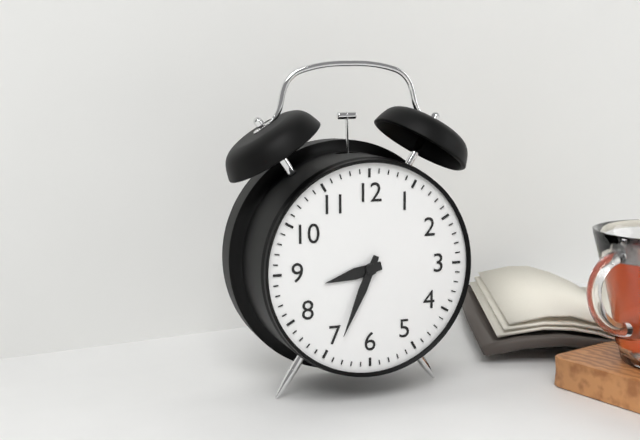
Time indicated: 8:34
